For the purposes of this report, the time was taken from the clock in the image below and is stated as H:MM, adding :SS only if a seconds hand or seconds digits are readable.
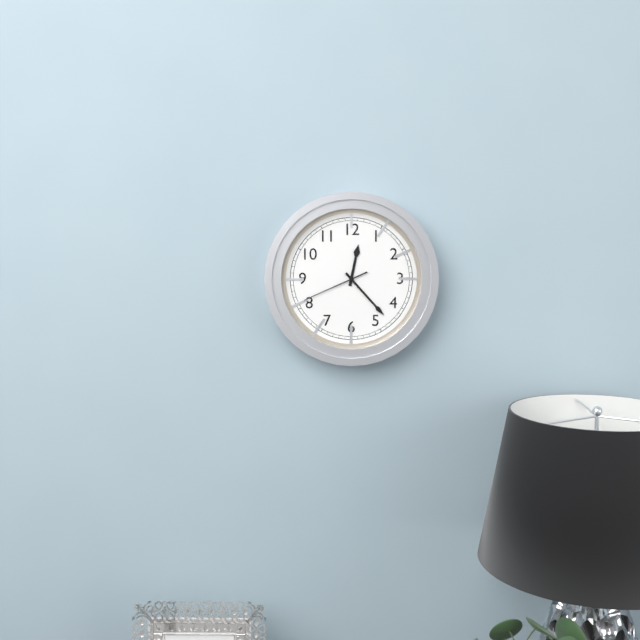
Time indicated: 12:23:41
